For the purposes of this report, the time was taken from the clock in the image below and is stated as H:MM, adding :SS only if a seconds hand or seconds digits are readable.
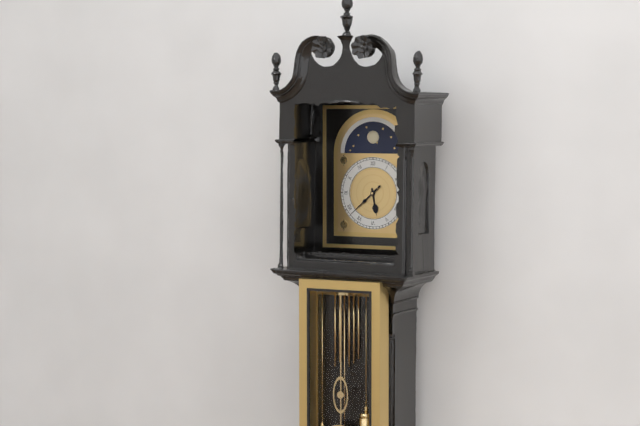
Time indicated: 5:38
